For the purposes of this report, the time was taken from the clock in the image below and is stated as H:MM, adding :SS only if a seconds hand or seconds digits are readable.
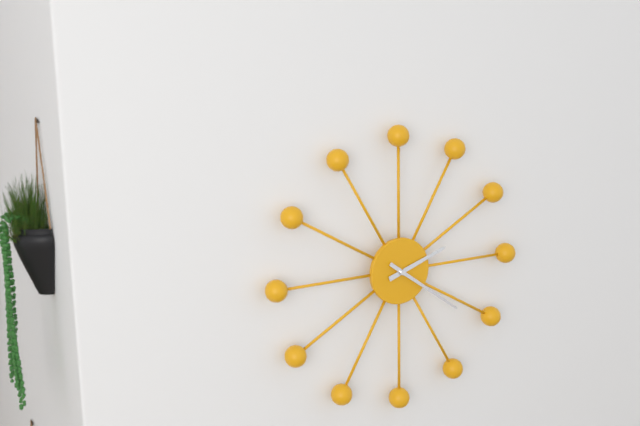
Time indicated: 2:21
